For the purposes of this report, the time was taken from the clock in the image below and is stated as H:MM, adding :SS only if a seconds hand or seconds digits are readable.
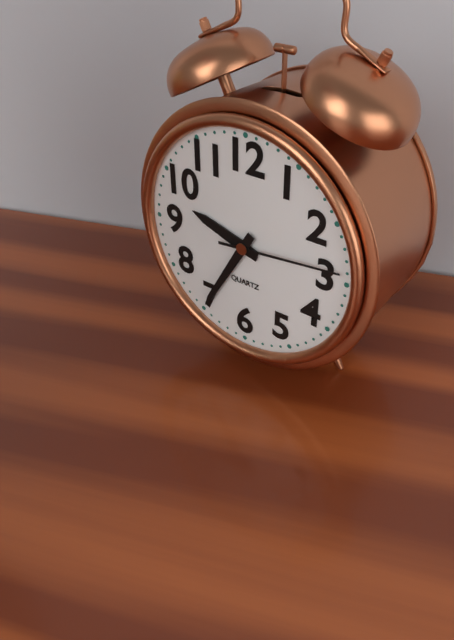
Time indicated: 9:35:14
